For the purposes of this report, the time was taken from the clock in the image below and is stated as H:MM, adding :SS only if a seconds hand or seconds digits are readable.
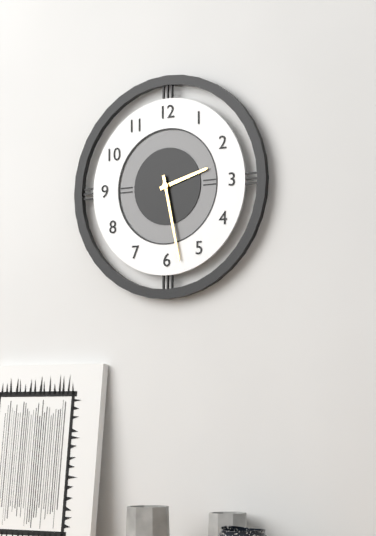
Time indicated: 2:28
